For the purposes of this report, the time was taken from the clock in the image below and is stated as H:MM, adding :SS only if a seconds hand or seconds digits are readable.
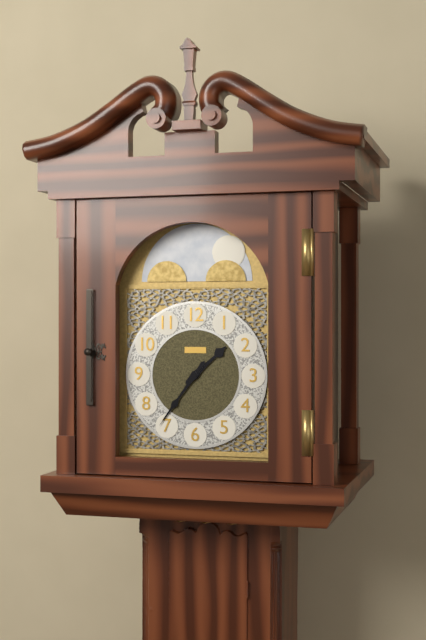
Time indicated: 1:36
